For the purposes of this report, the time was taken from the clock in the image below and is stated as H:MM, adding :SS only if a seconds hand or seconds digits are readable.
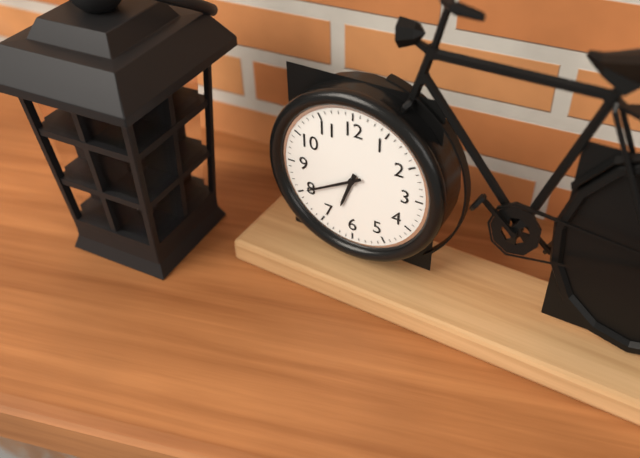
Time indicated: 6:40
